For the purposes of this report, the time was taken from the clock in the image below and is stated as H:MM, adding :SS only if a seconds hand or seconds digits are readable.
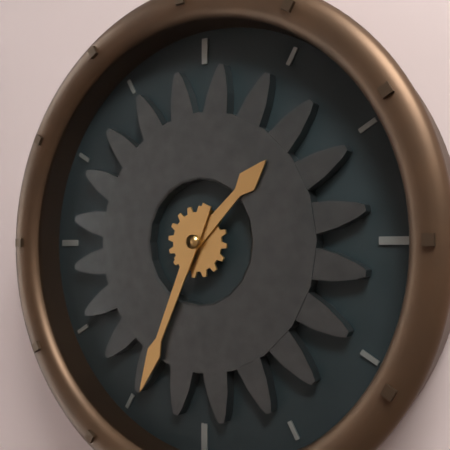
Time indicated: 1:34
